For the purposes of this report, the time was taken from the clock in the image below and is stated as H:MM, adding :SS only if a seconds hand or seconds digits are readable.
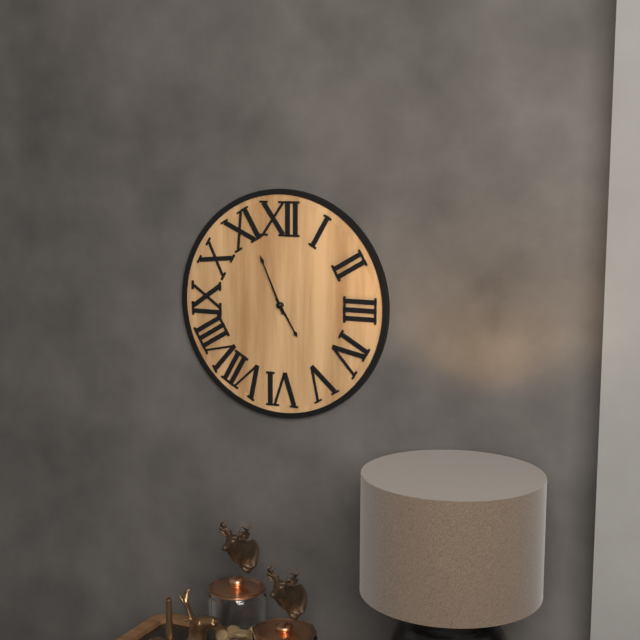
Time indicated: 4:56
